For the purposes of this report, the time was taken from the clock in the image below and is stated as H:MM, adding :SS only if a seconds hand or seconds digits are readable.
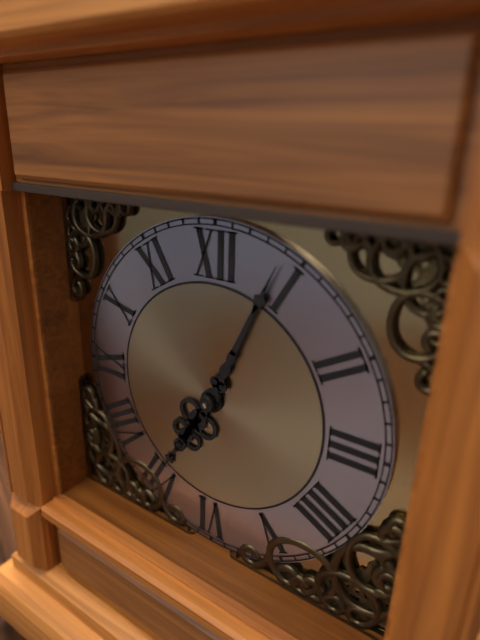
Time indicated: 7:04
